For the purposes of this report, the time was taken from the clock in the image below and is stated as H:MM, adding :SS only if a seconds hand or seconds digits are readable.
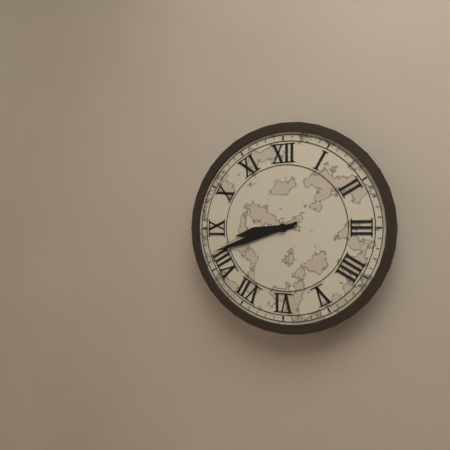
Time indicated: 8:42
